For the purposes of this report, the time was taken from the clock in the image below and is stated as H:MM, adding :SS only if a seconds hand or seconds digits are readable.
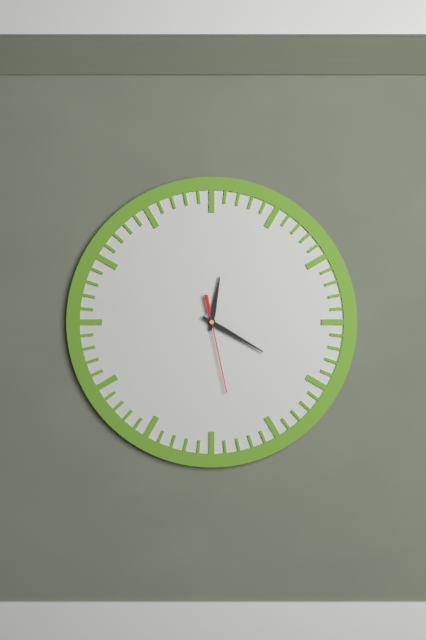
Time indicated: 12:20:28
